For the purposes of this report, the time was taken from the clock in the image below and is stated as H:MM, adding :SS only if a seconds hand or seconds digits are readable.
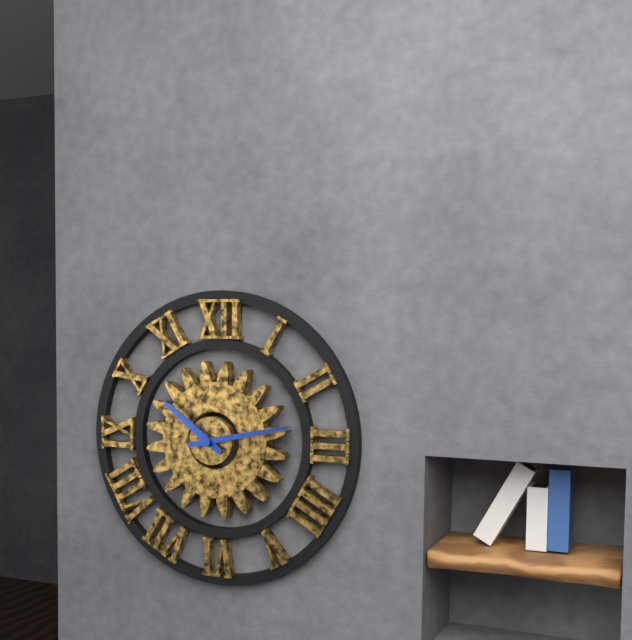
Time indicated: 10:13
